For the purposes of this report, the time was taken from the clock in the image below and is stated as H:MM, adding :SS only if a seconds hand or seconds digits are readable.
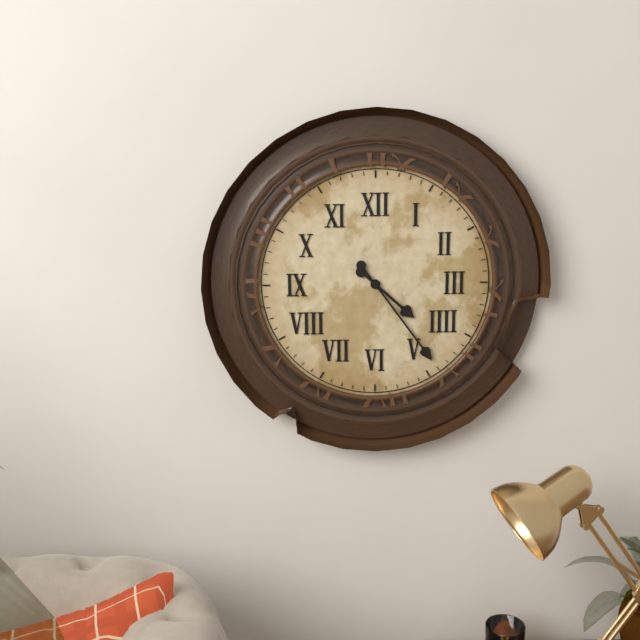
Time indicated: 4:24
